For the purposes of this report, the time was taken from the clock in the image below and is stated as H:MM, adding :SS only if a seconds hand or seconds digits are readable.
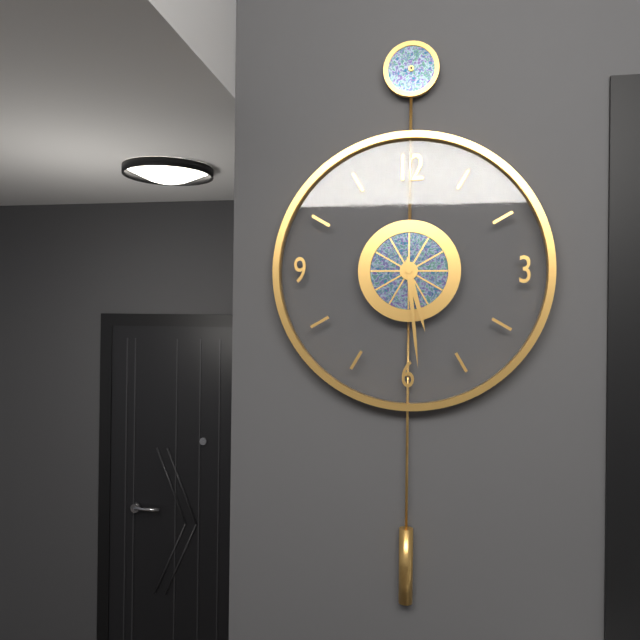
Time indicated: 5:29
